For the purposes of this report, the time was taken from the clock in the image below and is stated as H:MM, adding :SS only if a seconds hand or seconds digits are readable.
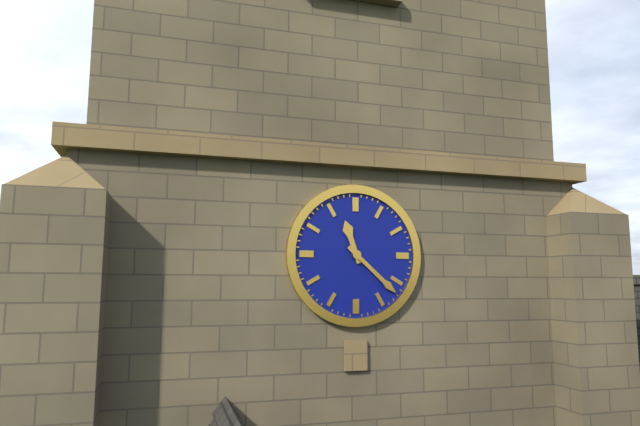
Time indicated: 11:22
